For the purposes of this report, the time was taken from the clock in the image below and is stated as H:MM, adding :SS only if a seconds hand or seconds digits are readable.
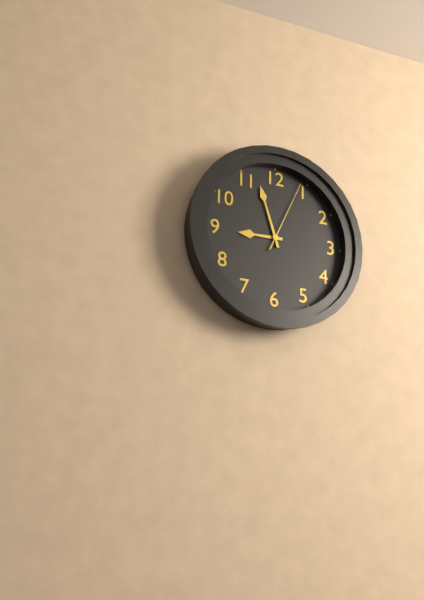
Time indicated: 8:57:04
